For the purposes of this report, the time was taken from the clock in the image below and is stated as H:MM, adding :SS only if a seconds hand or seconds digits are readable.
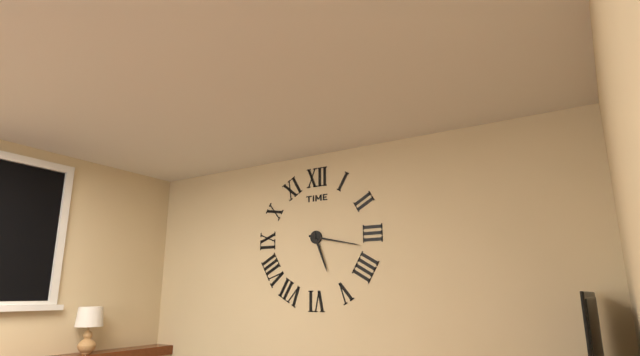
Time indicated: 5:17
